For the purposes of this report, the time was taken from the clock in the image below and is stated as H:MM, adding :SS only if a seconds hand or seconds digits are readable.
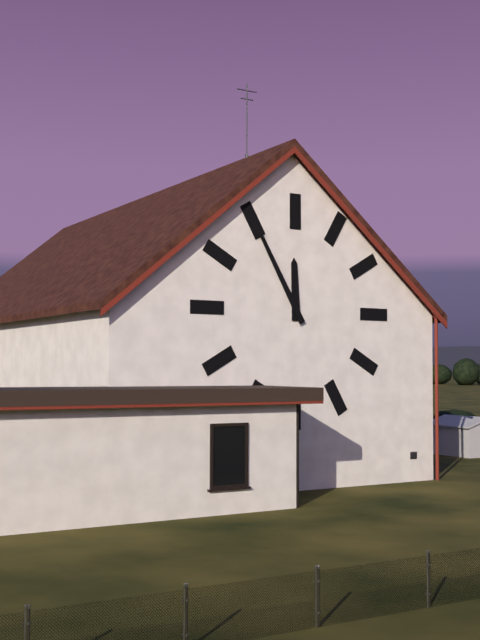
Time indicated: 11:55
